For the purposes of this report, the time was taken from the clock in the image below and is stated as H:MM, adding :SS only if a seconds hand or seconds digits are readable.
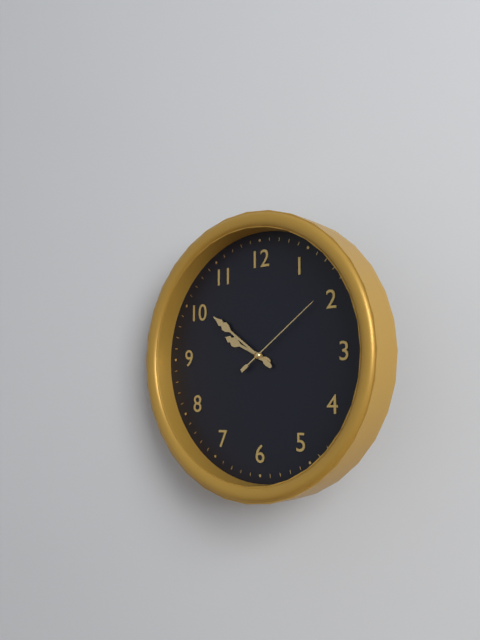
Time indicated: 9:51:09
